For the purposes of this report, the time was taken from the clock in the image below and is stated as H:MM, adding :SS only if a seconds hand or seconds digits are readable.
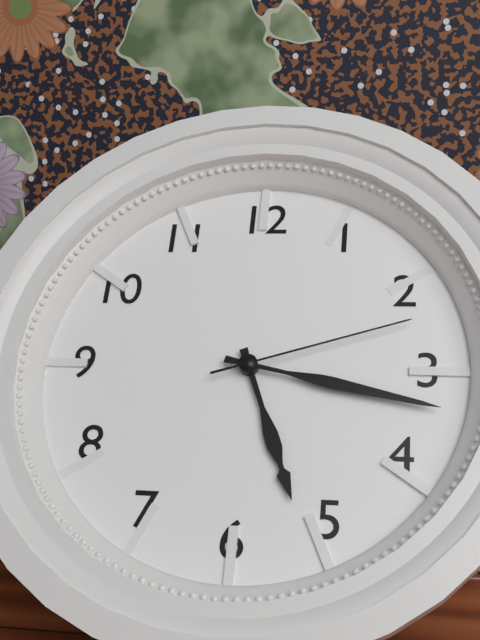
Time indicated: 5:17:12
